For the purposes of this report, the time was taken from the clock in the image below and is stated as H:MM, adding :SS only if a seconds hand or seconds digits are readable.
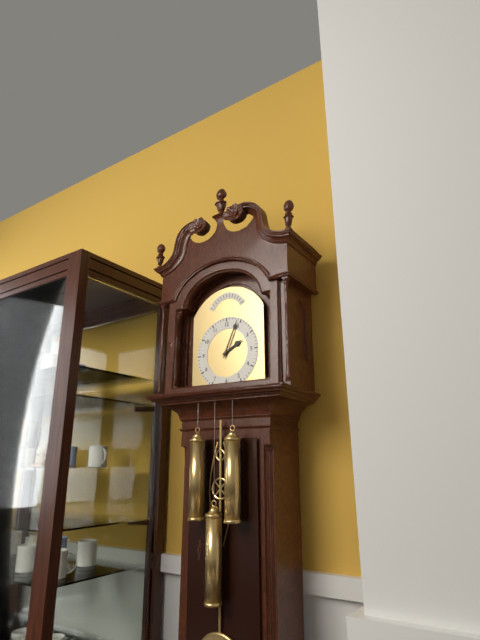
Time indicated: 2:04
